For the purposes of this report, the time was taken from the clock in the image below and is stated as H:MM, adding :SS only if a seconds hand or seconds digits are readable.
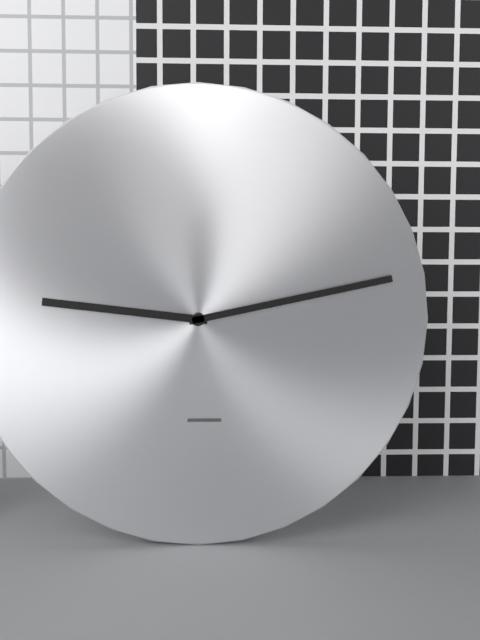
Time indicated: 9:13
